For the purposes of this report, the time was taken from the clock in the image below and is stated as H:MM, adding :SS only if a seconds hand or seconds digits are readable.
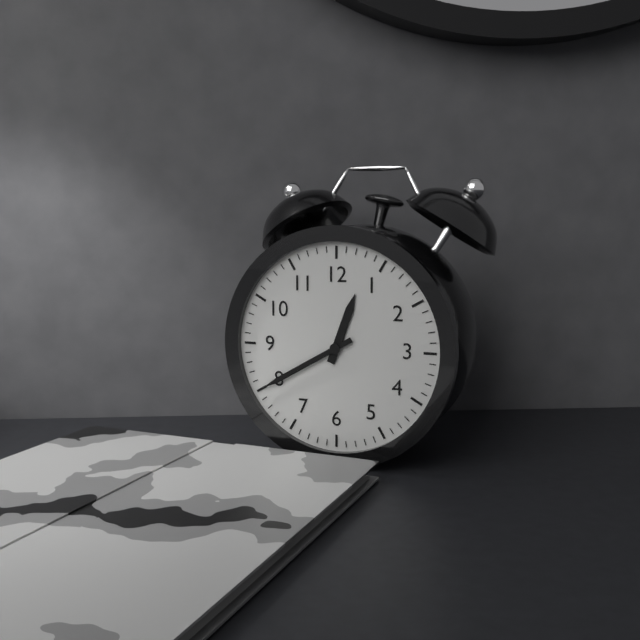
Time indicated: 12:40
